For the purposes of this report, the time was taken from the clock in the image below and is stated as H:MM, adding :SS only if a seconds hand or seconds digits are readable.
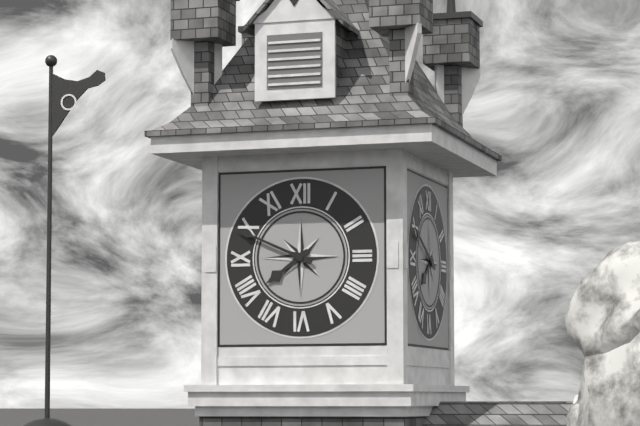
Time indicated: 7:49
